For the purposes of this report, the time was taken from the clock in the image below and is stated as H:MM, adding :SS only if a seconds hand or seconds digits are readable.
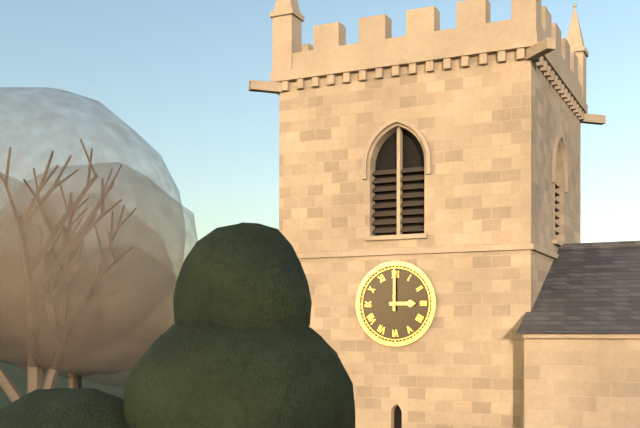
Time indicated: 3:00
